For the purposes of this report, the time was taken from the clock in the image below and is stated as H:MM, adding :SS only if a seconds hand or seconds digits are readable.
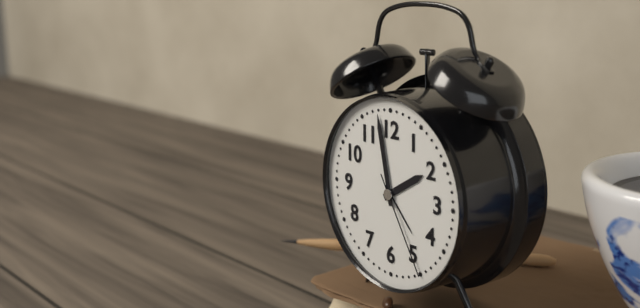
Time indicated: 1:58:25
